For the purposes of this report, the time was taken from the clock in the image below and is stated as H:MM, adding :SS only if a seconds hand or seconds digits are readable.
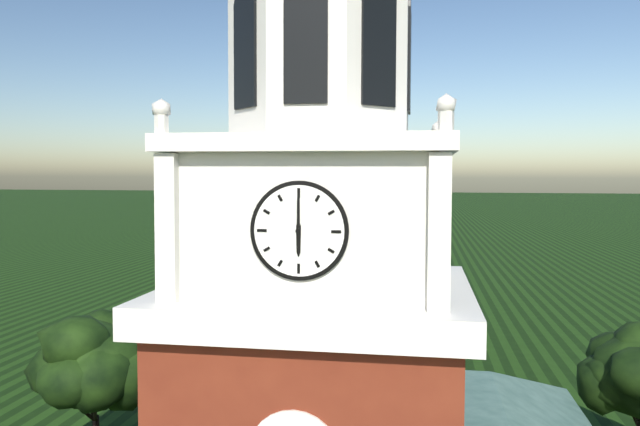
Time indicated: 6:00
